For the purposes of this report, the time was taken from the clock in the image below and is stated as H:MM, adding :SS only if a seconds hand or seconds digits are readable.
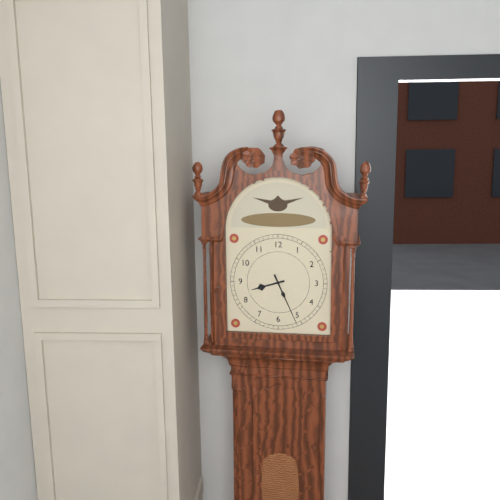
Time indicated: 8:26
